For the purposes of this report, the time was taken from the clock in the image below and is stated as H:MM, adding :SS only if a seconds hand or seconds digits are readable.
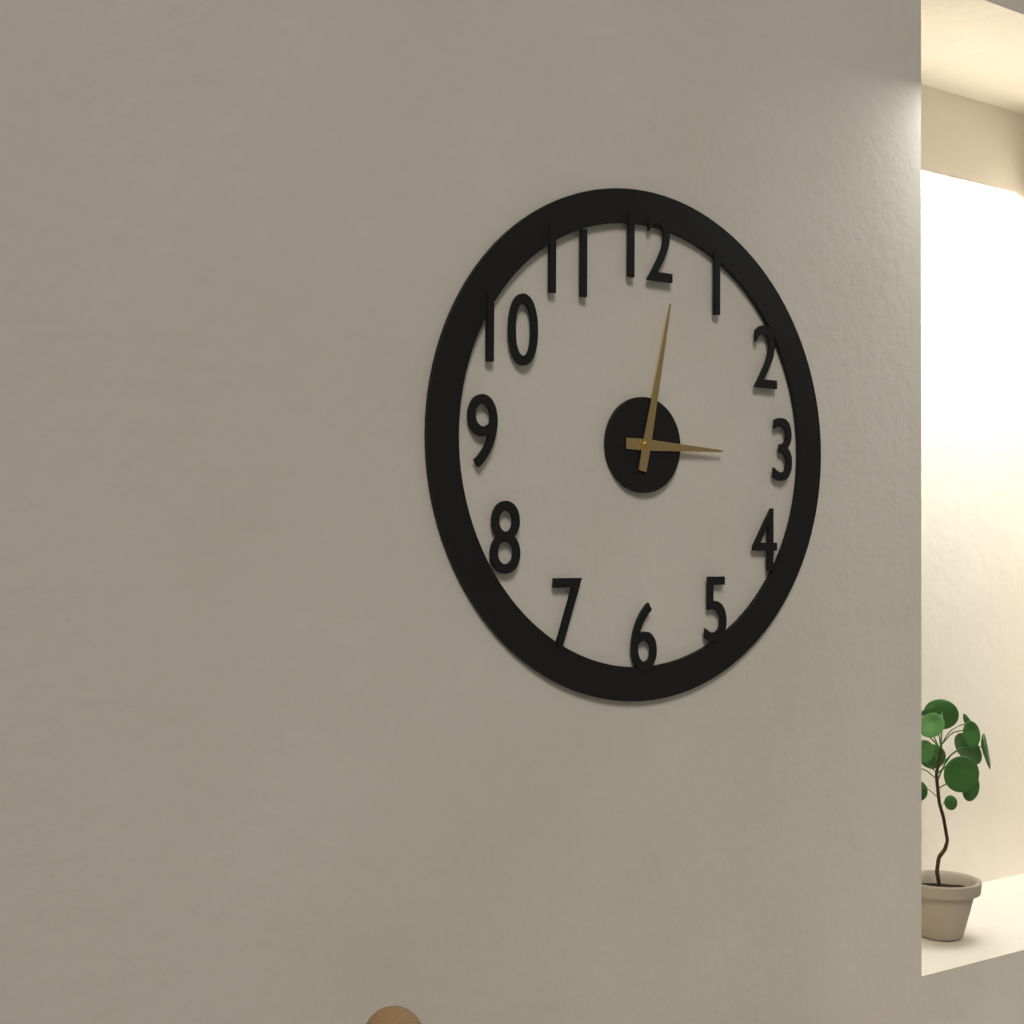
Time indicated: 3:02
